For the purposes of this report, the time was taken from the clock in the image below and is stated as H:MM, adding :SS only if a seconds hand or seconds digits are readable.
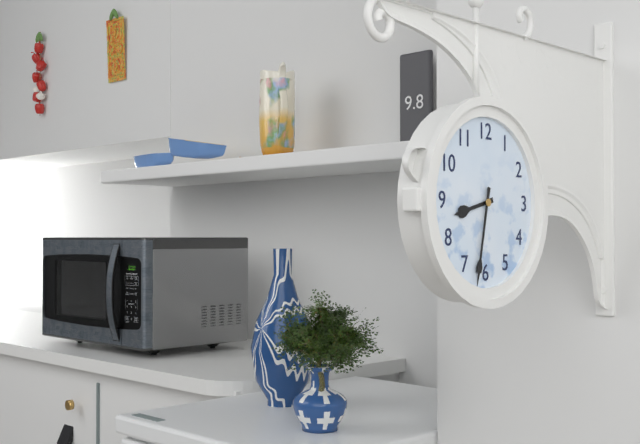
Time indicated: 8:32
